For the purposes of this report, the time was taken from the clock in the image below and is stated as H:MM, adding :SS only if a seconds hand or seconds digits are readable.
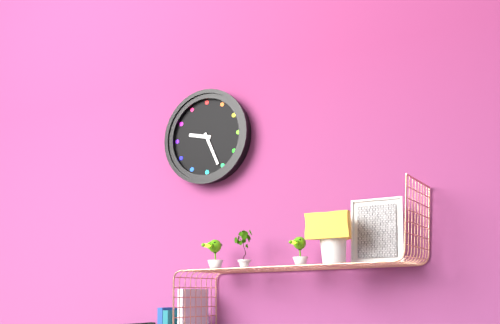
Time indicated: 9:26
